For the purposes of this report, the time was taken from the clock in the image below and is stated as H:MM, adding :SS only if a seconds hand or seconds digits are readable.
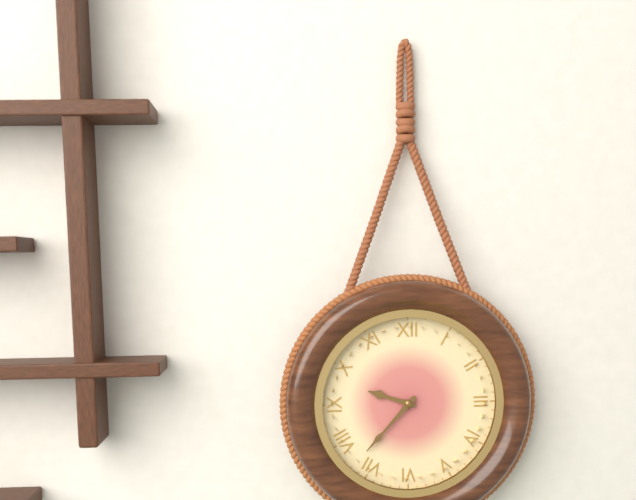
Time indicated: 9:37
